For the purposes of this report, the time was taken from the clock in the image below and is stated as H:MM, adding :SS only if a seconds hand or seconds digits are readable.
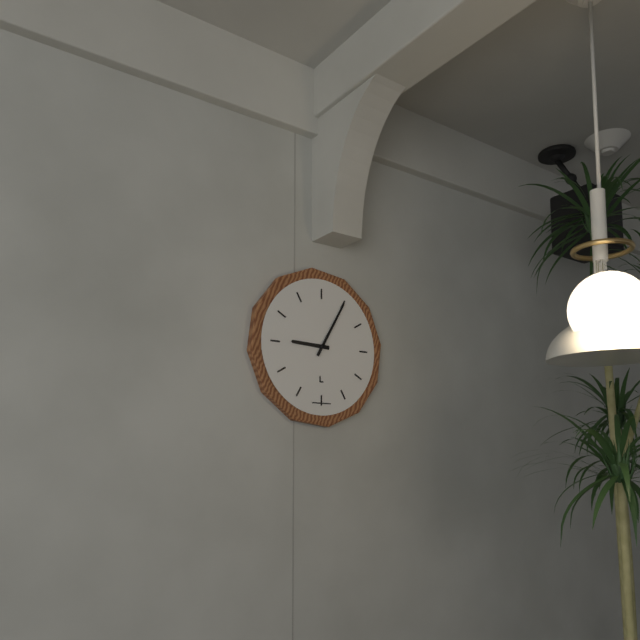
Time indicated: 9:05
